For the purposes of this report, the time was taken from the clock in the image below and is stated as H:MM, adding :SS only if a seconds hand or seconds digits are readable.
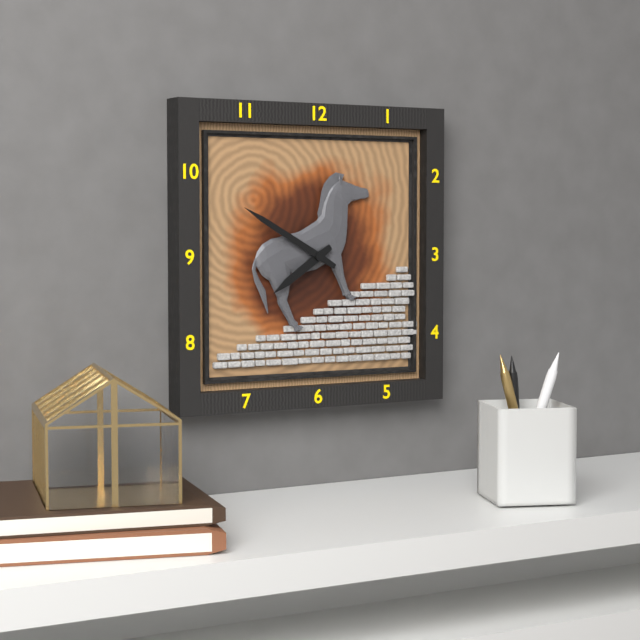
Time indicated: 7:50
